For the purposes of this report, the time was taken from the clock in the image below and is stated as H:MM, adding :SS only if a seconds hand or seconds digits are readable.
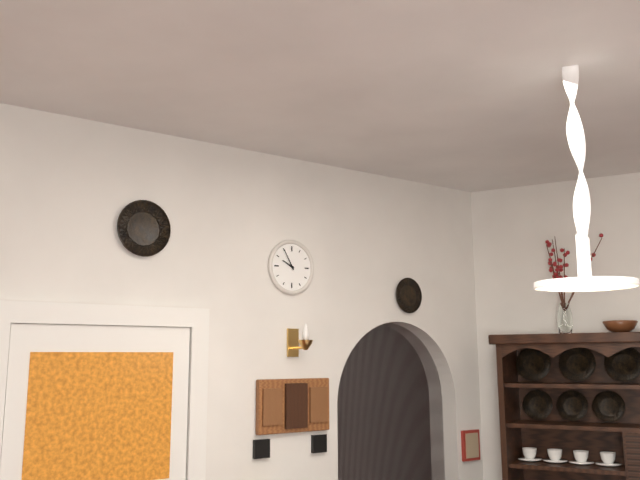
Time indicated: 9:55
